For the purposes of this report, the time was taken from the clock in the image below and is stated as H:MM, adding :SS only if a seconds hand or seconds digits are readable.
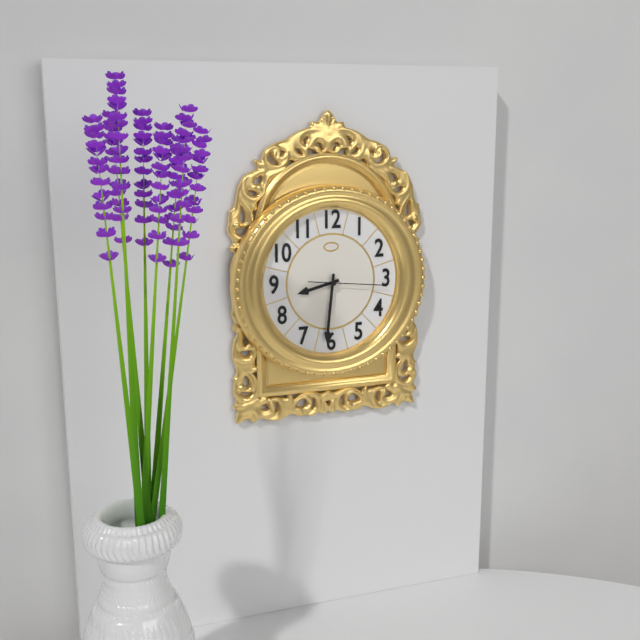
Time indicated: 8:31:16
